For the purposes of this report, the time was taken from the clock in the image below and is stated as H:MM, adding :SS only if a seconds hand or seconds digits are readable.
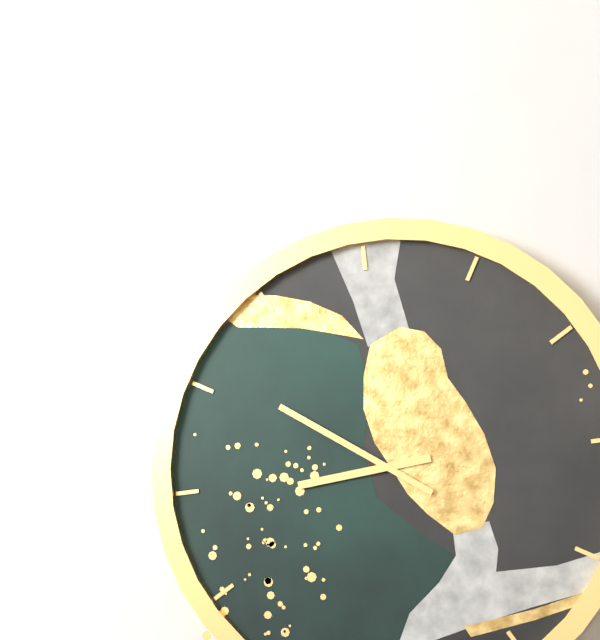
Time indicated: 8:51
